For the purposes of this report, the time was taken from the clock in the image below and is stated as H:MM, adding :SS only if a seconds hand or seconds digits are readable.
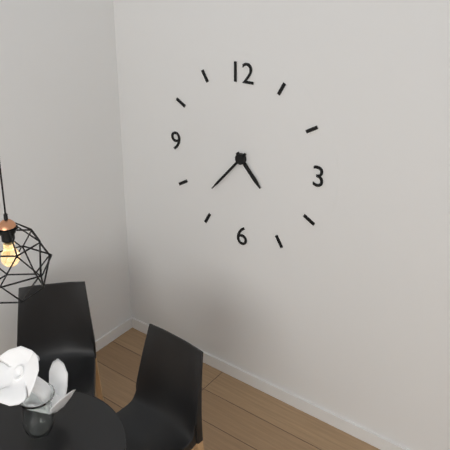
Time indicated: 4:37
